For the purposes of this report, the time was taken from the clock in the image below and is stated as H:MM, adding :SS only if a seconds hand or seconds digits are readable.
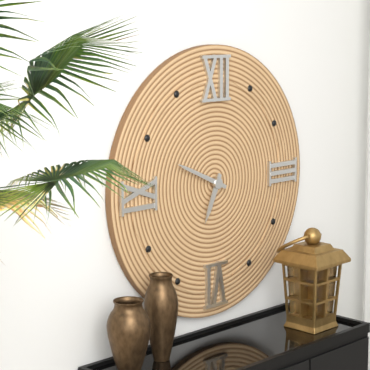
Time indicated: 6:49
